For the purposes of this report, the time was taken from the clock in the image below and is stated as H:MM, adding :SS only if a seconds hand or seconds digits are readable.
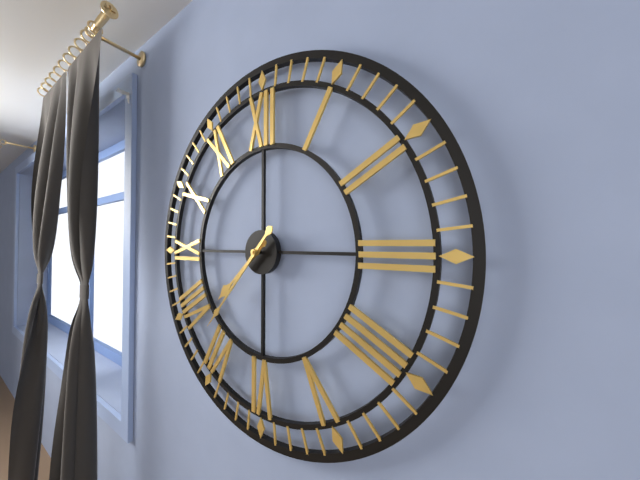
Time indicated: 7:37
